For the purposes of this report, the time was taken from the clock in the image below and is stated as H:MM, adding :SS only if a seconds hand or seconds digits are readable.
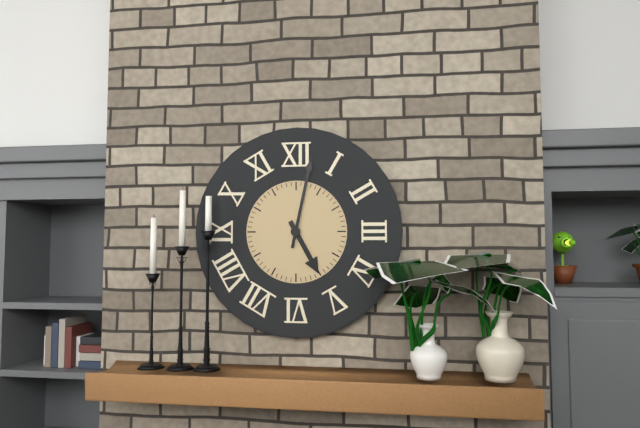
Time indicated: 5:02
